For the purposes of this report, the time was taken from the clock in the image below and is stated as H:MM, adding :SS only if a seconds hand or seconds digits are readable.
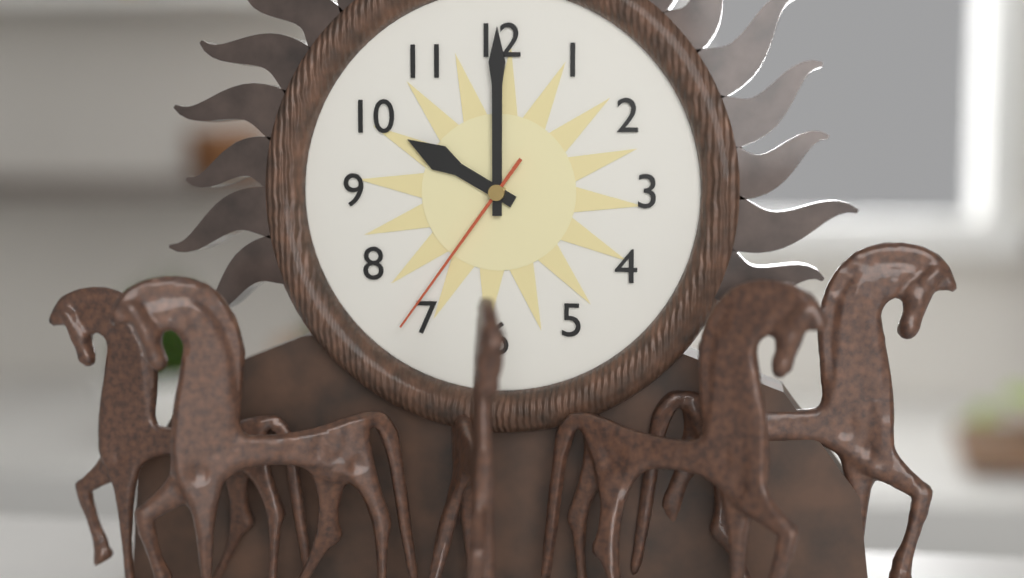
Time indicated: 10:00:36
